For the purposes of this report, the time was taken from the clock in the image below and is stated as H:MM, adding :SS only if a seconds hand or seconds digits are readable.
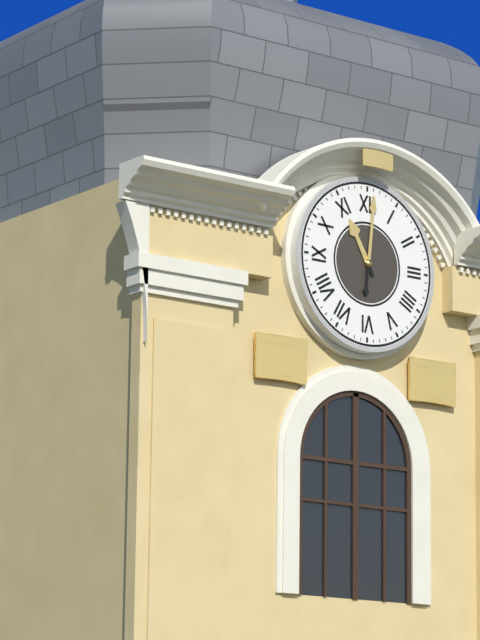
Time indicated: 11:01
